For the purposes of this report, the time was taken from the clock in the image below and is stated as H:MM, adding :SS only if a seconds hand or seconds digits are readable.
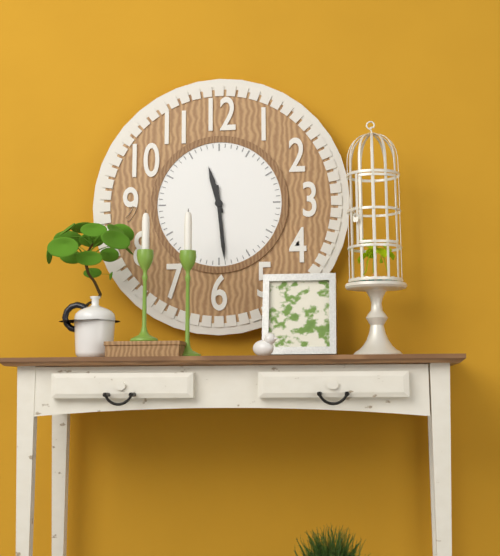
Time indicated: 11:29
